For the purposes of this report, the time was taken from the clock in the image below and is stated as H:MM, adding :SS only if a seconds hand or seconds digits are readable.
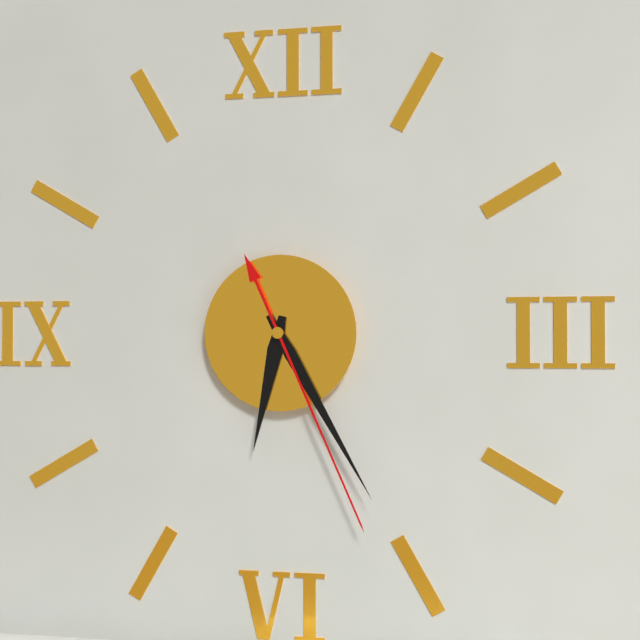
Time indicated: 6:25:26
